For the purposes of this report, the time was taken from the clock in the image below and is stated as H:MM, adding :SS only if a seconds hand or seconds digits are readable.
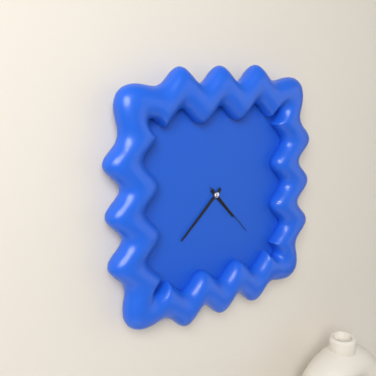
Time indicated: 4:38:23
